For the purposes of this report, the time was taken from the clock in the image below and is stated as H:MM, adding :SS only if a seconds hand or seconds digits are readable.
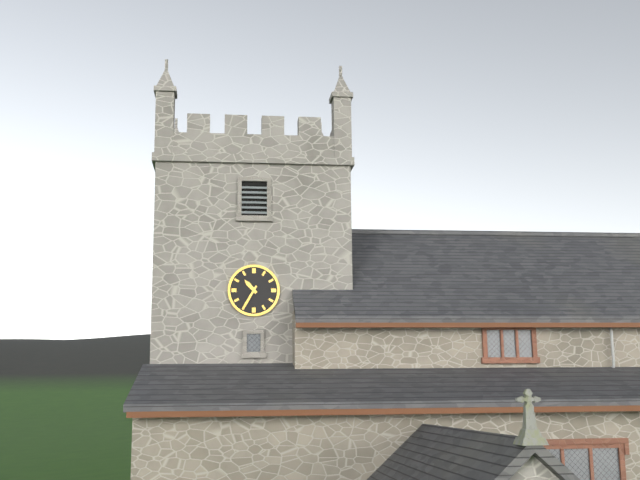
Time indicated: 10:35
